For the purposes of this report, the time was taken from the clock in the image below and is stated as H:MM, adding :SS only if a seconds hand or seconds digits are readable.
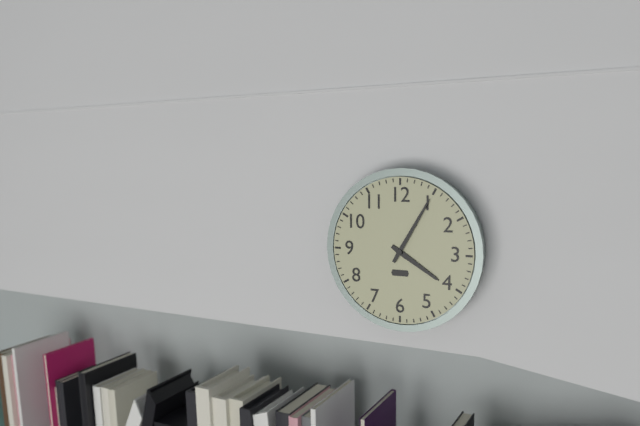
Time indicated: 4:05
